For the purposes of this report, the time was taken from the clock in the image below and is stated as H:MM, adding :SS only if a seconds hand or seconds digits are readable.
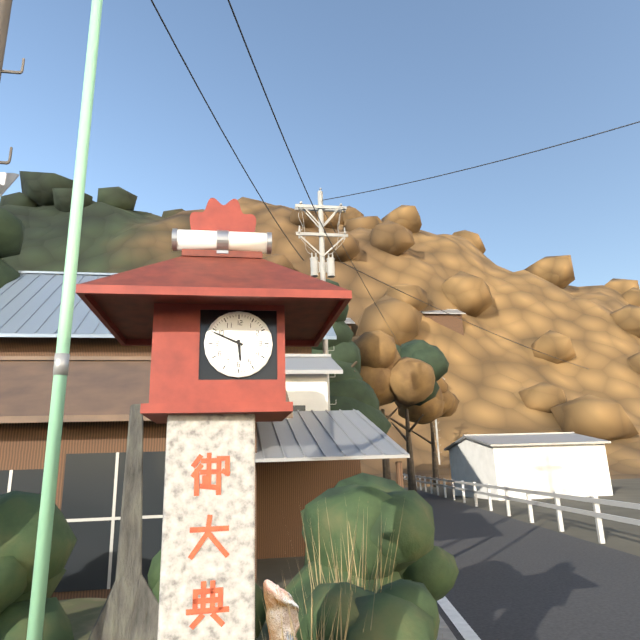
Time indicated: 5:49
